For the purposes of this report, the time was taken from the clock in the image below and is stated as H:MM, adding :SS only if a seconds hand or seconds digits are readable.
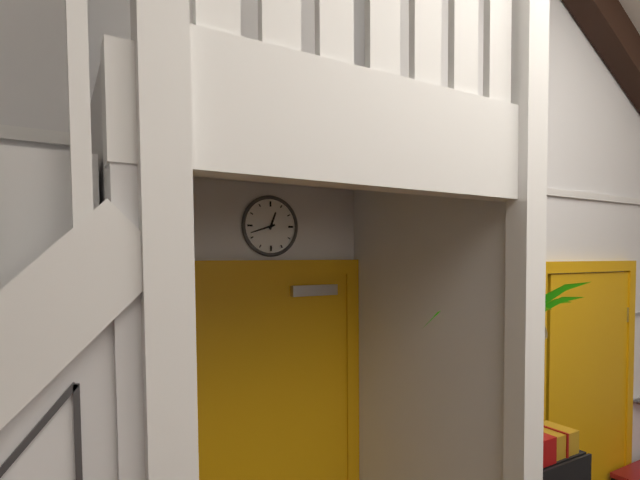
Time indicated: 12:42
